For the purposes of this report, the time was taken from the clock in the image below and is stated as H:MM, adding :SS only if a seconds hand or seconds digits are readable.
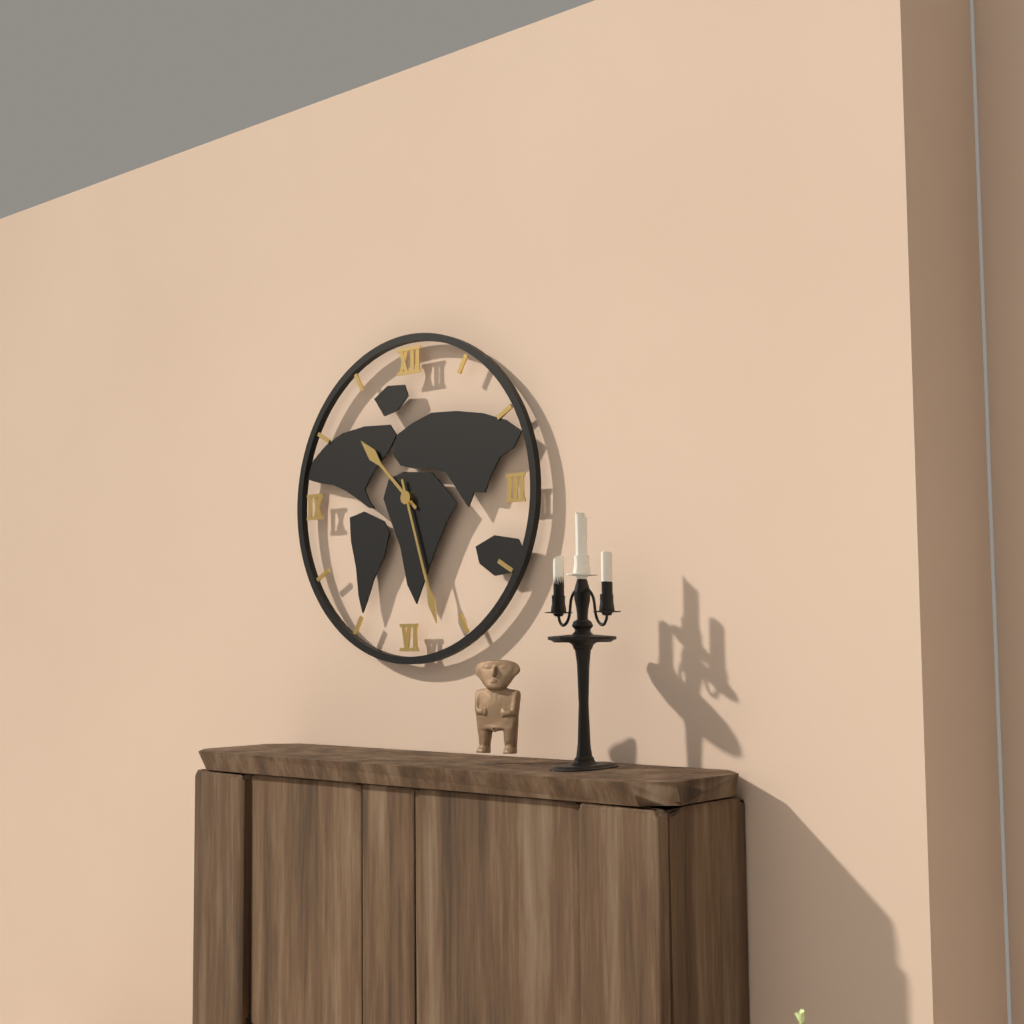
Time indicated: 10:27
